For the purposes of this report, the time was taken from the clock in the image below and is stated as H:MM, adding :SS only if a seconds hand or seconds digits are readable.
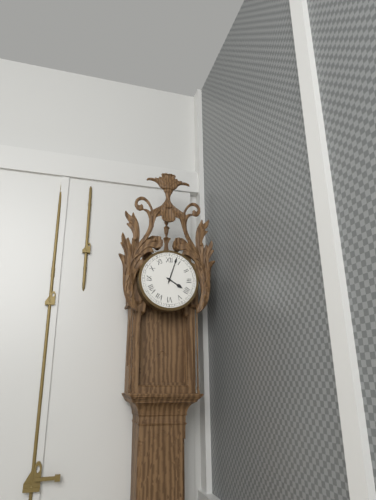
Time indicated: 4:03
